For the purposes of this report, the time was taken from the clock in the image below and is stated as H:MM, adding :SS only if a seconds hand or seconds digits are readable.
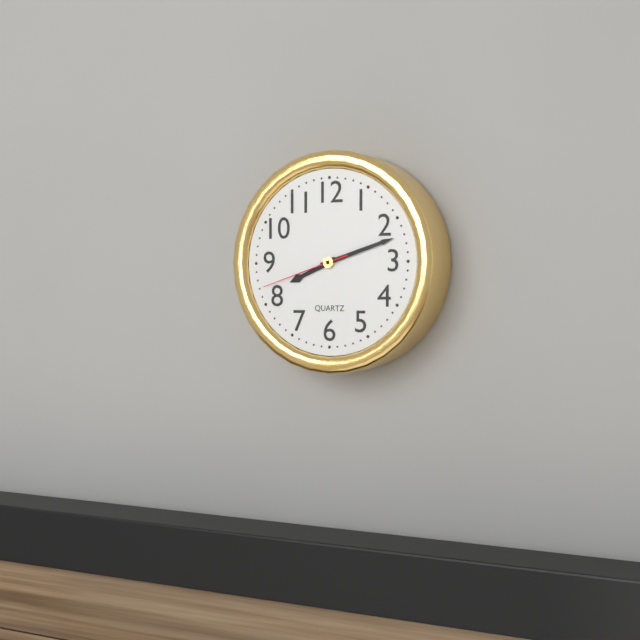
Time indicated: 8:12:42
